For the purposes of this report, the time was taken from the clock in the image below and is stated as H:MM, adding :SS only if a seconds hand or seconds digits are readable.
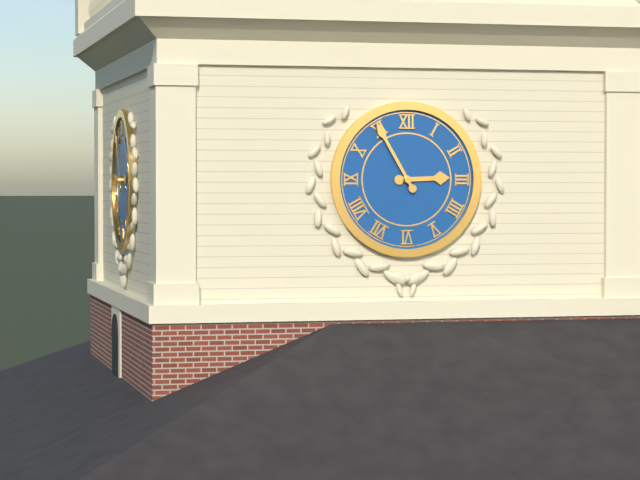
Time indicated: 2:55
